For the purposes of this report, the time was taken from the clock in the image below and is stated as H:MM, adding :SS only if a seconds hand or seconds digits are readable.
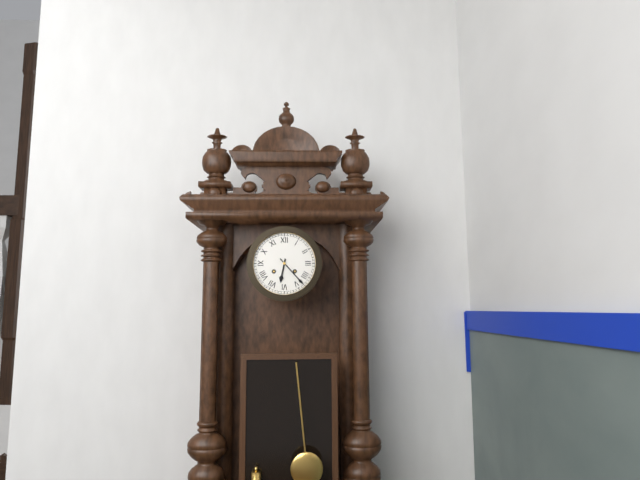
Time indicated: 6:23
